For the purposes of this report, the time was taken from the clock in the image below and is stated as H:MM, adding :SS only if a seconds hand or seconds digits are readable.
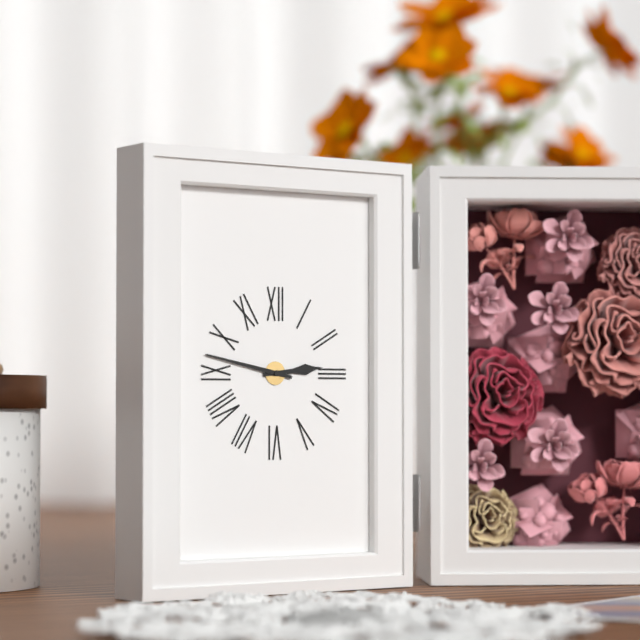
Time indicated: 2:47
